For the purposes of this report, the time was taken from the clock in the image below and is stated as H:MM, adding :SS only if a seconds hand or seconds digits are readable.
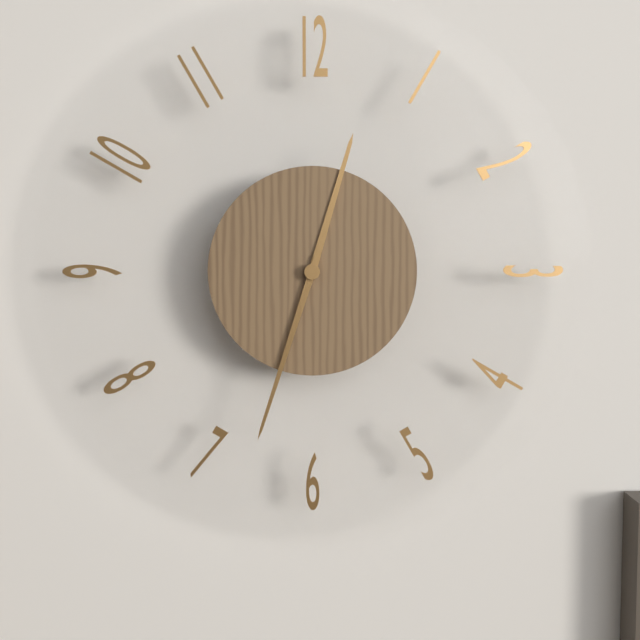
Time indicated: 12:33
